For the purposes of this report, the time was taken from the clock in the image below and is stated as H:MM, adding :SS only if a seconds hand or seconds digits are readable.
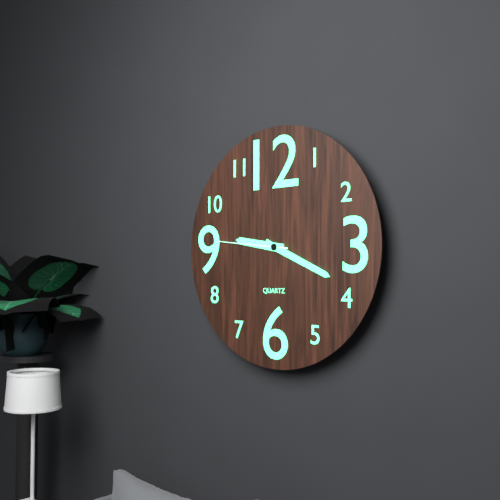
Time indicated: 9:19:46
